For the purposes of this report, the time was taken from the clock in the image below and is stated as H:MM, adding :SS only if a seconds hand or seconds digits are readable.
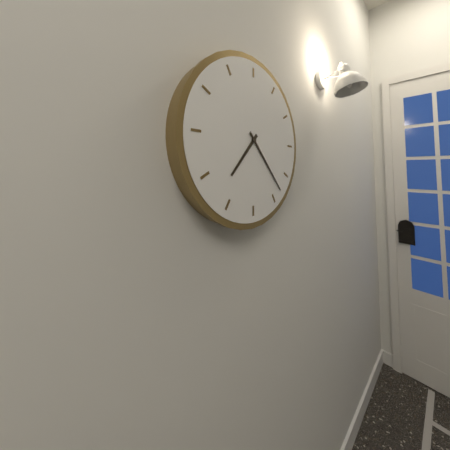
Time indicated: 7:23
